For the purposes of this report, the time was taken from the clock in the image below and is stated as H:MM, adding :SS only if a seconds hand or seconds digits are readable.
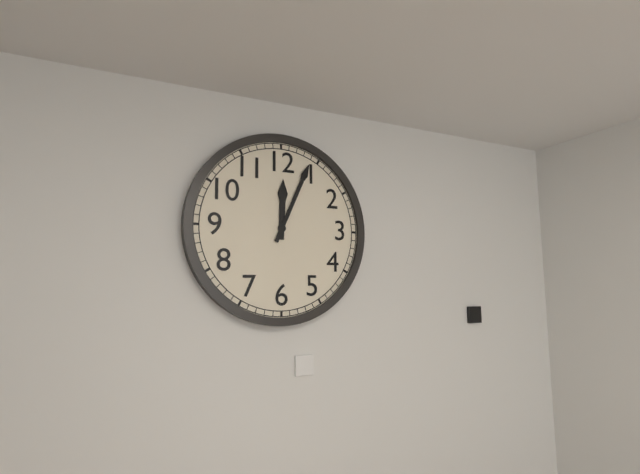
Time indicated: 12:04
